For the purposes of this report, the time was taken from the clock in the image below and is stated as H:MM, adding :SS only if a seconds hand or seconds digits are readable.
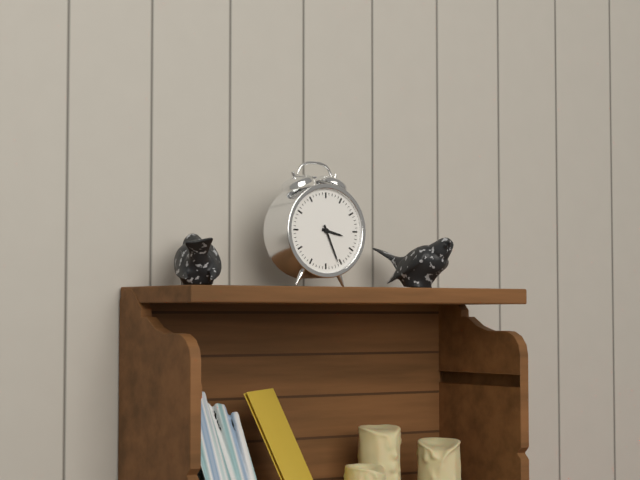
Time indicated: 3:26
